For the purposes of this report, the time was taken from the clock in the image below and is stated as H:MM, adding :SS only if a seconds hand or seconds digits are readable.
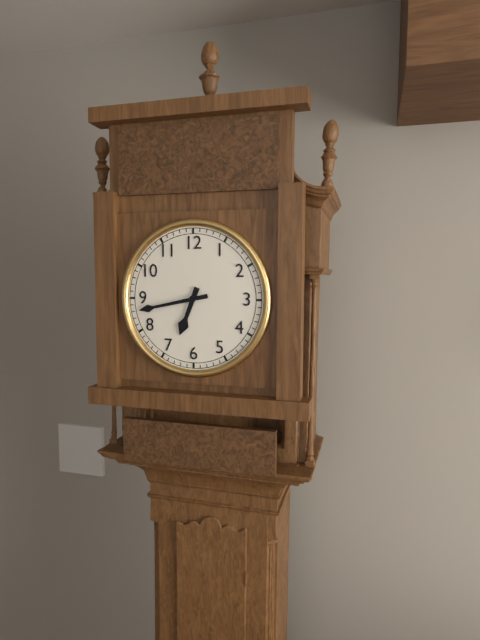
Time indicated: 6:43
